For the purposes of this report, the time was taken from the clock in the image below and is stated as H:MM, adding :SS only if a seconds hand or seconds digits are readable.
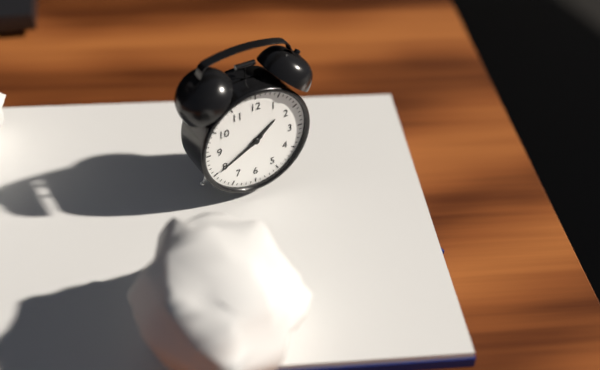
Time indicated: 1:40
